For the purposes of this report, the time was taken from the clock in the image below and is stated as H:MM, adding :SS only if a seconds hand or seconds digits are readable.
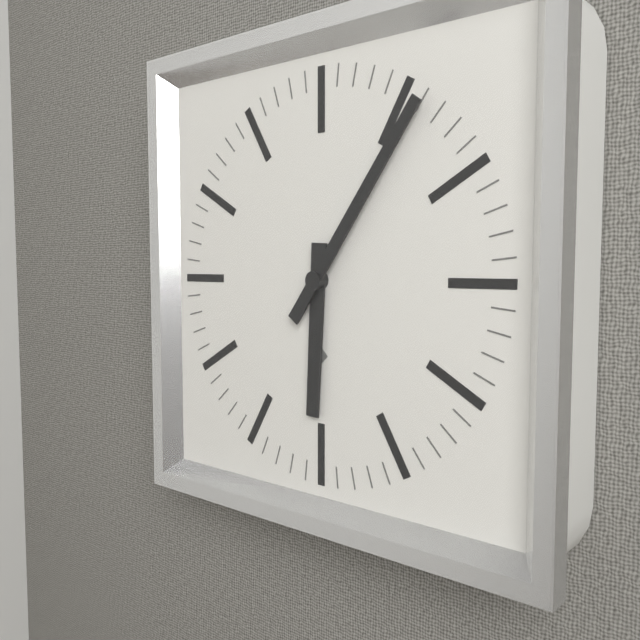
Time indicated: 6:06
